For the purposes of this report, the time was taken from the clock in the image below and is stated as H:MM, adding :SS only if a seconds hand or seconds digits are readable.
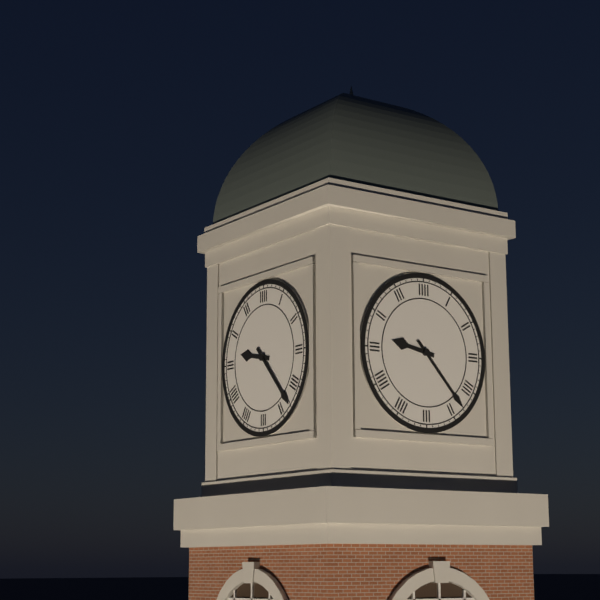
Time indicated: 9:23
